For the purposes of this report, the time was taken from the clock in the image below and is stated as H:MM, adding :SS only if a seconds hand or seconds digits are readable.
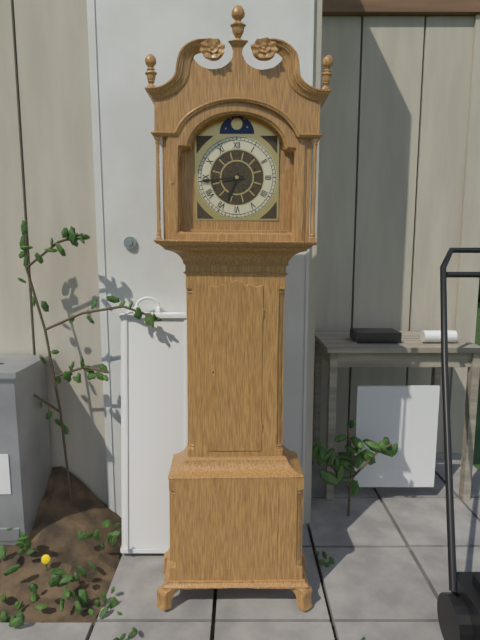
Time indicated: 6:44
